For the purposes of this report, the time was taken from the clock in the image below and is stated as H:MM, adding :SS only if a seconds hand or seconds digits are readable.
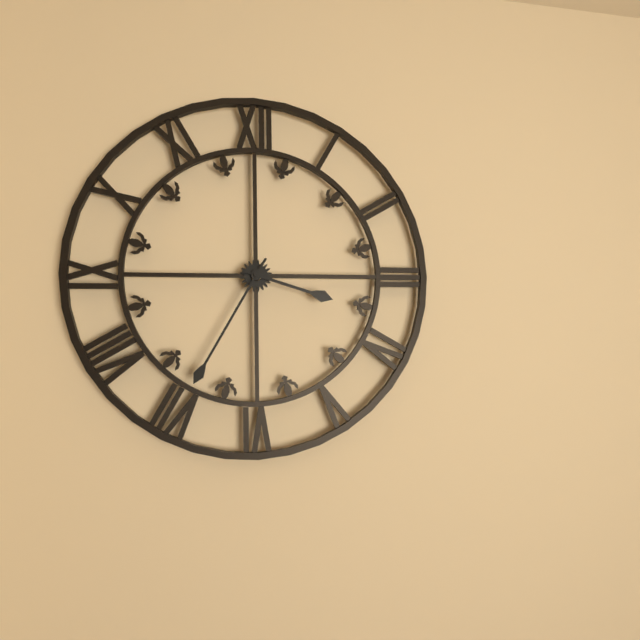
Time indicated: 3:35
